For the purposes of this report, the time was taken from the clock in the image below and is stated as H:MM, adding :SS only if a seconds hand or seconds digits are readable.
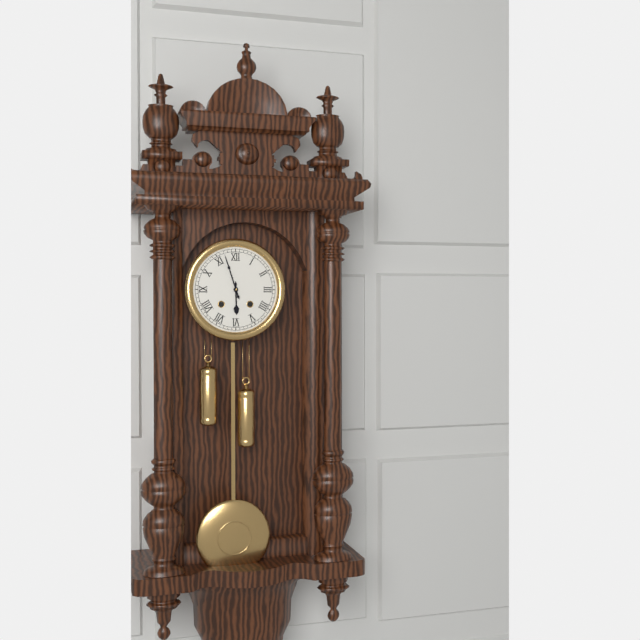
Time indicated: 5:57
